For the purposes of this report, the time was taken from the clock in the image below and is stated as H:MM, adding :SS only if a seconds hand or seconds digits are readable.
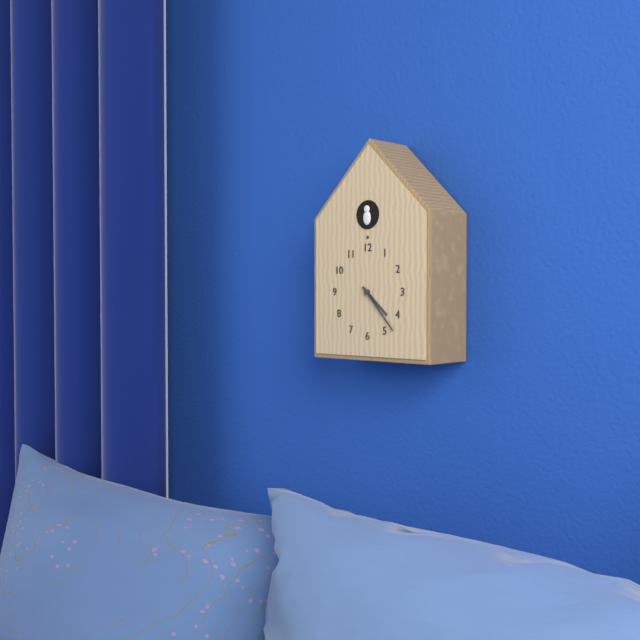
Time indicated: 4:23
